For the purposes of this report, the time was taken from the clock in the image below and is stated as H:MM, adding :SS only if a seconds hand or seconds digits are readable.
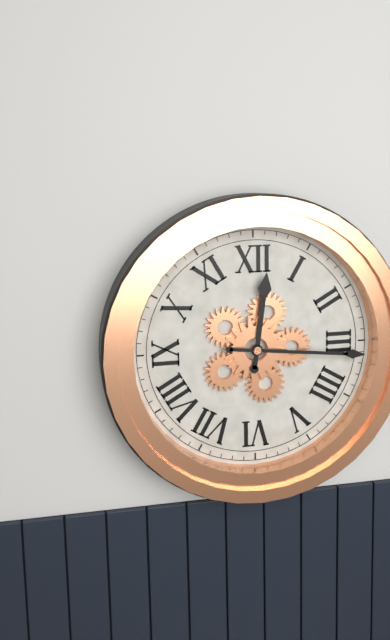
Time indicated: 12:16
